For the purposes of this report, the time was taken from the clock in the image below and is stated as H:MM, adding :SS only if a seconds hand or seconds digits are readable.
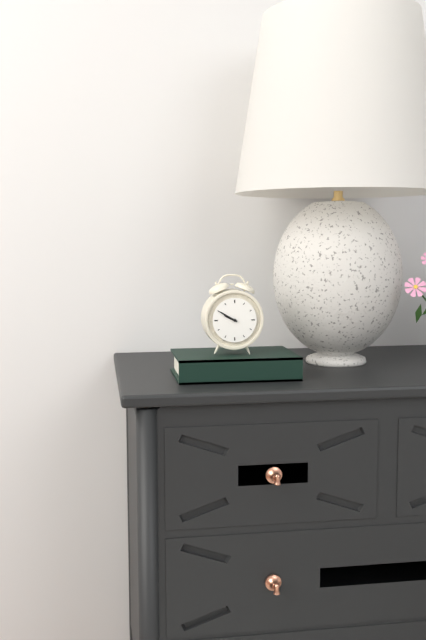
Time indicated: 9:50
